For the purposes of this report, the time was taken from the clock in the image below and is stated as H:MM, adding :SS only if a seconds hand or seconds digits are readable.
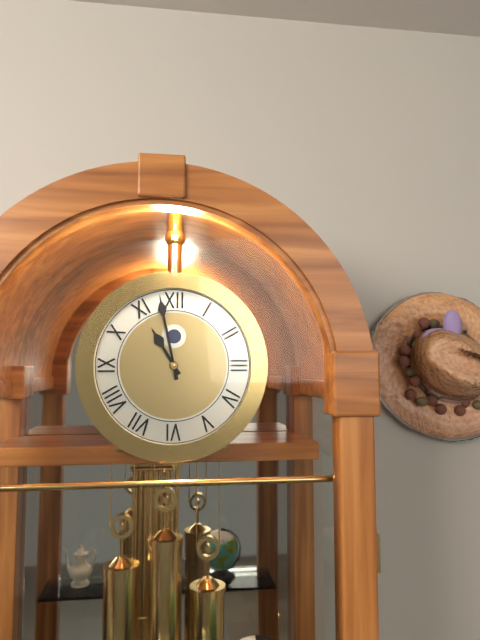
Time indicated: 10:58
